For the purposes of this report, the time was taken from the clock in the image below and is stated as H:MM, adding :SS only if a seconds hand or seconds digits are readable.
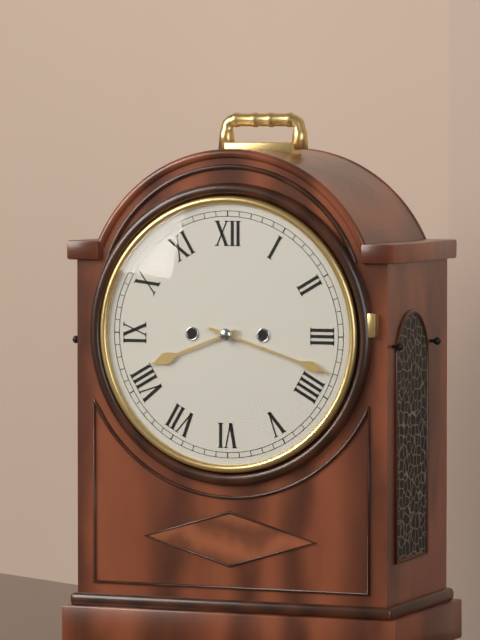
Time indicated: 8:18
